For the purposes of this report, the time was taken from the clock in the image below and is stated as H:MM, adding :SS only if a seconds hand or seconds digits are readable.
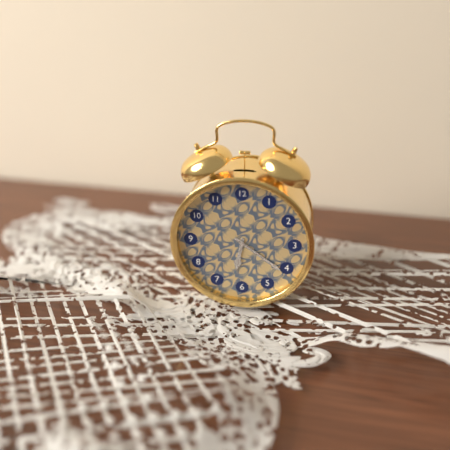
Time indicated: 6:21
